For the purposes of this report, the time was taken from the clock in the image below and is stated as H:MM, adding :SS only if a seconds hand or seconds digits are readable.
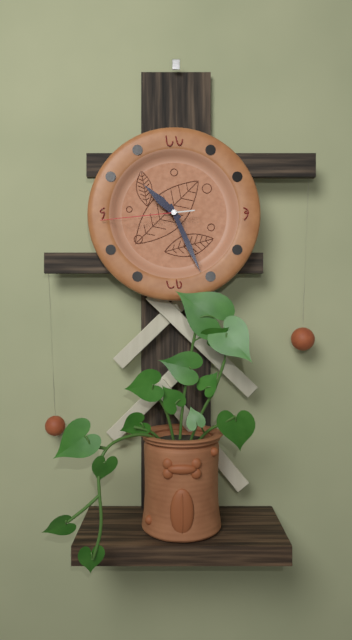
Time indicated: 10:26:44
